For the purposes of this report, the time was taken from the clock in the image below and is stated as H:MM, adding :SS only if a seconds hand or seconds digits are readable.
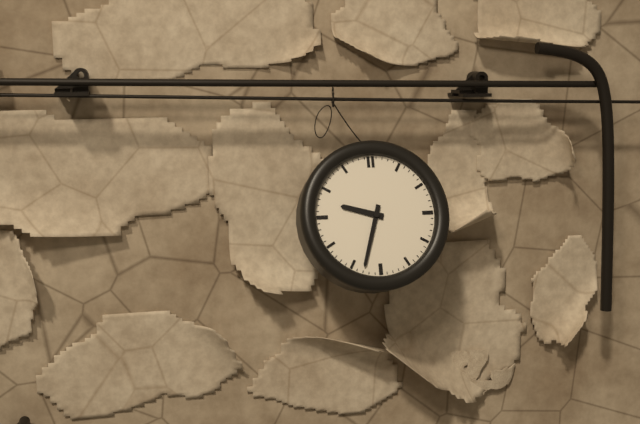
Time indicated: 9:33
